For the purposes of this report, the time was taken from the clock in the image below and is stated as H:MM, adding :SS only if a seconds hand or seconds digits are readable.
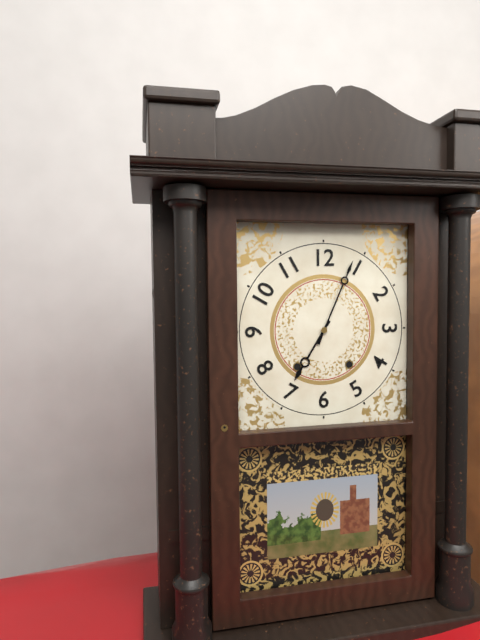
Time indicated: 7:04
